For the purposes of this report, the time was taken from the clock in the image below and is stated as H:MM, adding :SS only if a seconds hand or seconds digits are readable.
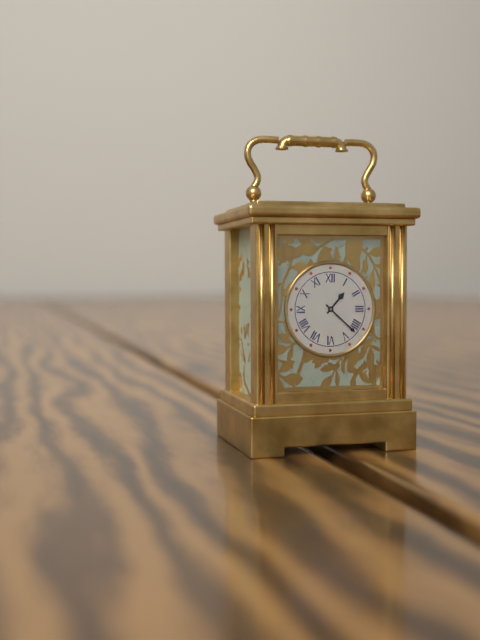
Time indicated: 1:22
